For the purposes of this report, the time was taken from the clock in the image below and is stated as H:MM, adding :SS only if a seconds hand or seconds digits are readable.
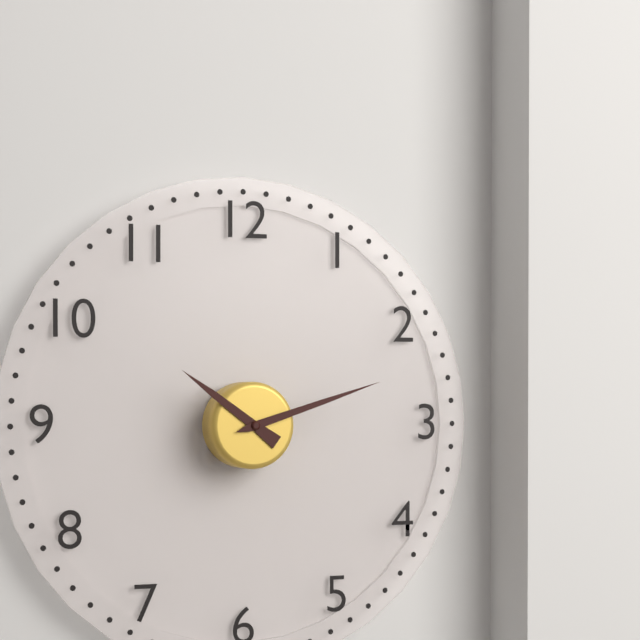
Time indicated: 10:12
